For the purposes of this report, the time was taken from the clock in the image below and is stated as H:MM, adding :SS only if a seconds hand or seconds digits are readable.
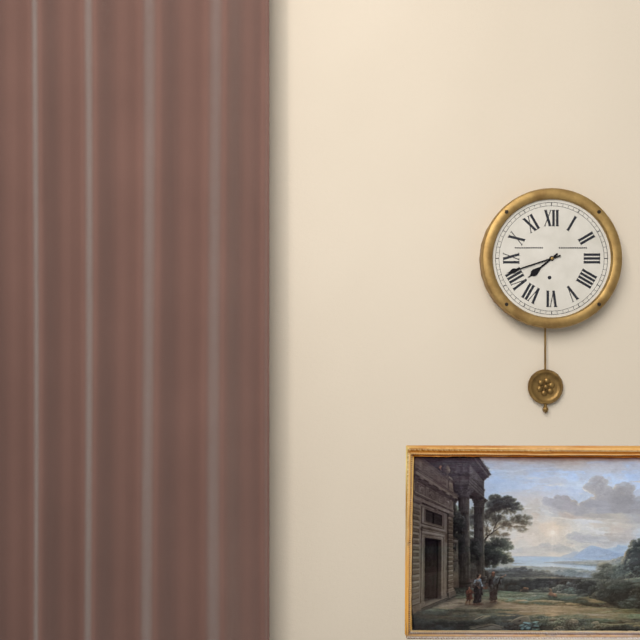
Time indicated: 7:42
